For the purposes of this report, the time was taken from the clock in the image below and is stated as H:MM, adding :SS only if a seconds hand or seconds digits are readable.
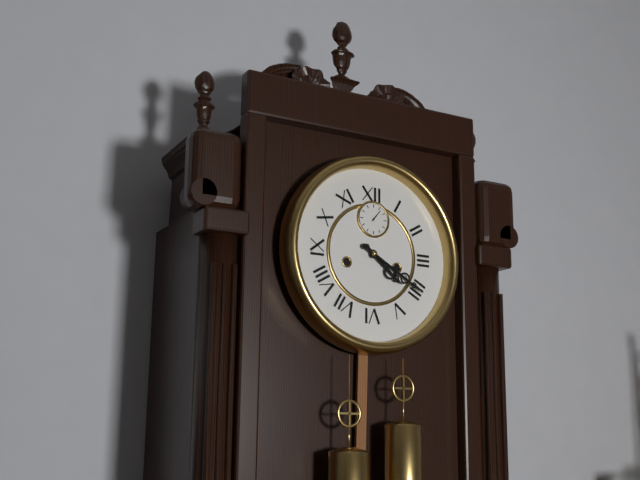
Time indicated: 4:20
